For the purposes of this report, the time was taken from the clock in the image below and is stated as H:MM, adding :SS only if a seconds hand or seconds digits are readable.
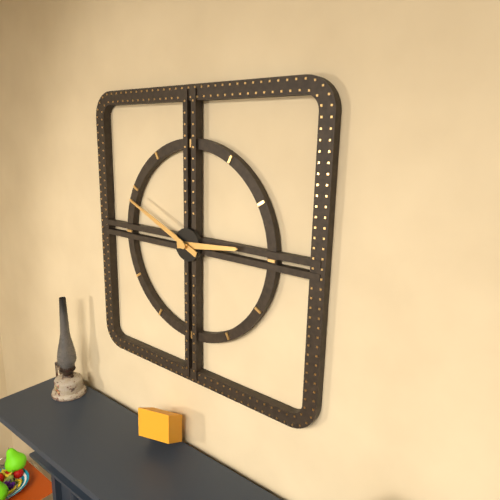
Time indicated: 2:49
